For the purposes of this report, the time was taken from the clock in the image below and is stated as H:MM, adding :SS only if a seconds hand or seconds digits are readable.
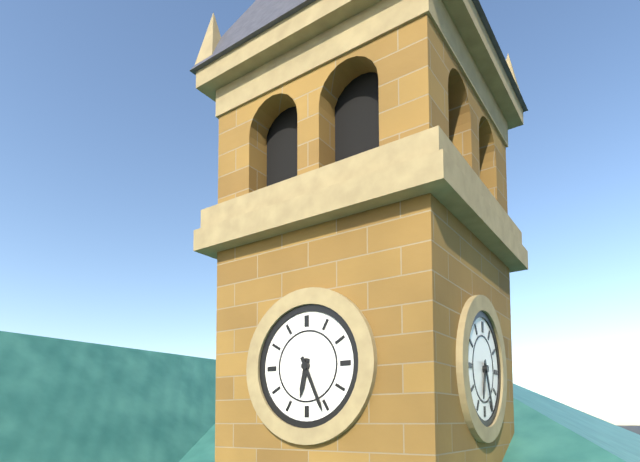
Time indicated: 6:26
